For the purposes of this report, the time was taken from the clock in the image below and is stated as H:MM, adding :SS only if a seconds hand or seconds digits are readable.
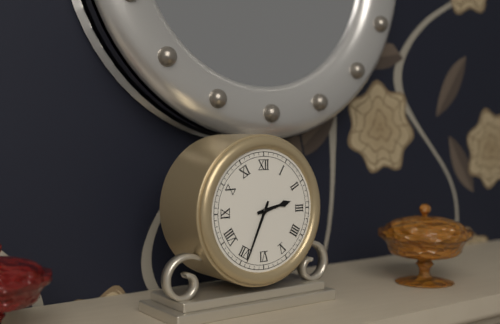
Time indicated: 2:34
